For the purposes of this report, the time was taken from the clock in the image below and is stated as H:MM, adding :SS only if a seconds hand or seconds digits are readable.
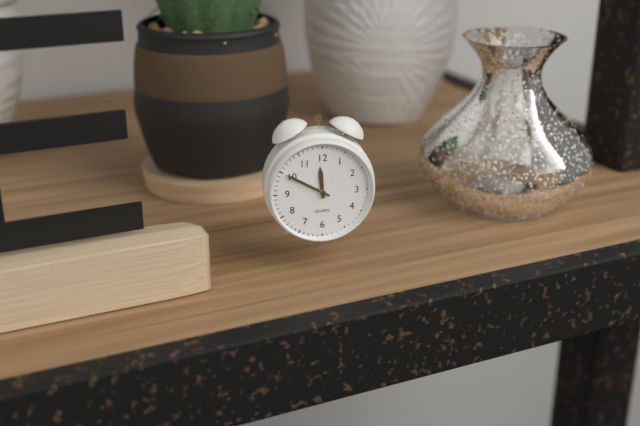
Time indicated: 11:50
